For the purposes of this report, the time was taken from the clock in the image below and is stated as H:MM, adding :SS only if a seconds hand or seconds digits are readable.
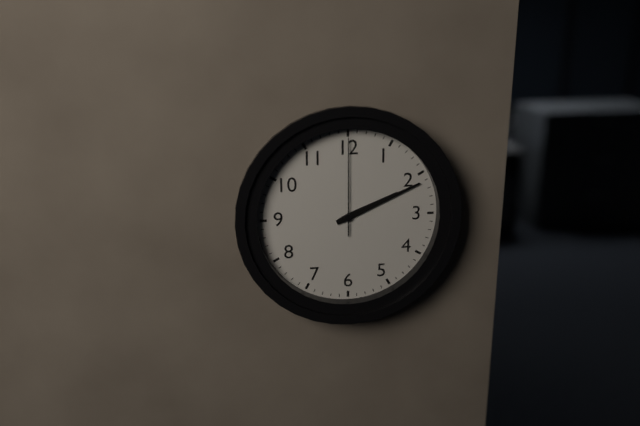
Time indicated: 2:11:00
